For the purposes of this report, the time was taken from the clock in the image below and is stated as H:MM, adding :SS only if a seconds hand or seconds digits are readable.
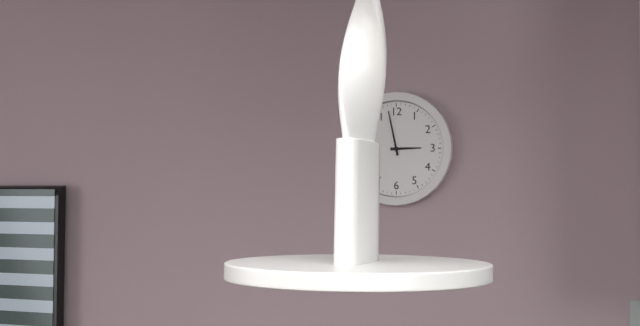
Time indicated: 2:58
